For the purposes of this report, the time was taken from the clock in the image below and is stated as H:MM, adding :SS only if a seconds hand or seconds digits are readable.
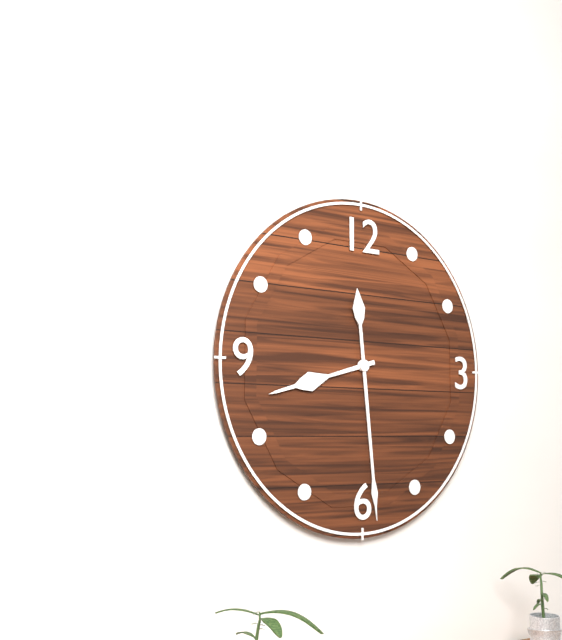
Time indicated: 8:29
